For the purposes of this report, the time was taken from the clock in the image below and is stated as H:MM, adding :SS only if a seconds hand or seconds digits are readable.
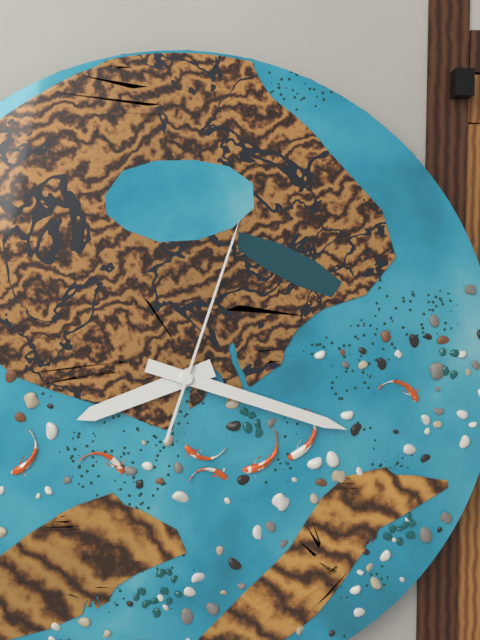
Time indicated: 8:18:03
